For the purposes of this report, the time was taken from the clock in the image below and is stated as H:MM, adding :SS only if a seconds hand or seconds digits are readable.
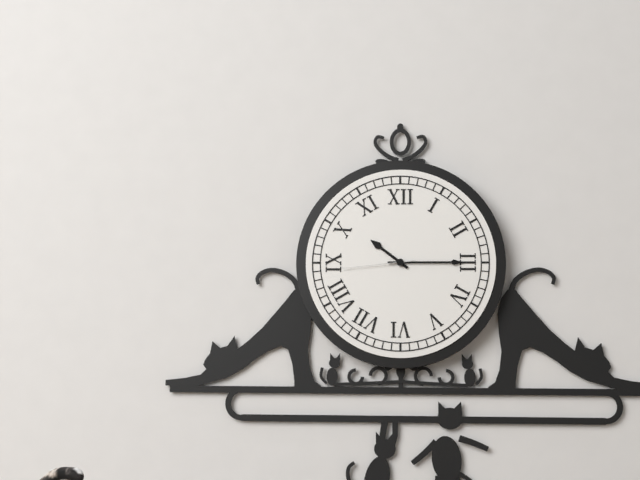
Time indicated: 10:15:44
